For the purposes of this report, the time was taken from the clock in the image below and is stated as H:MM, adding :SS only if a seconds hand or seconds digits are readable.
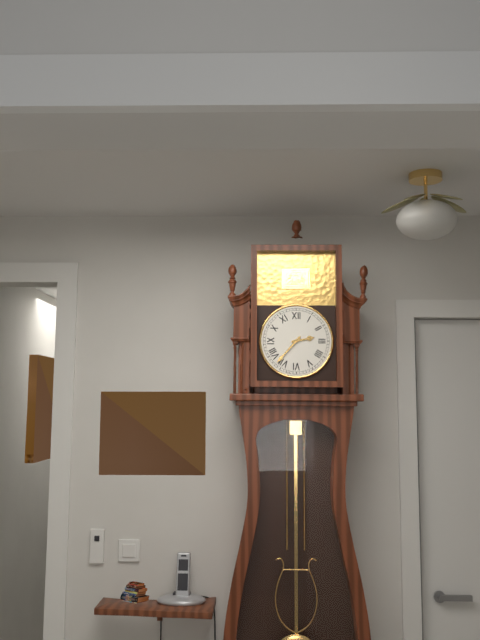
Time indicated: 2:37
